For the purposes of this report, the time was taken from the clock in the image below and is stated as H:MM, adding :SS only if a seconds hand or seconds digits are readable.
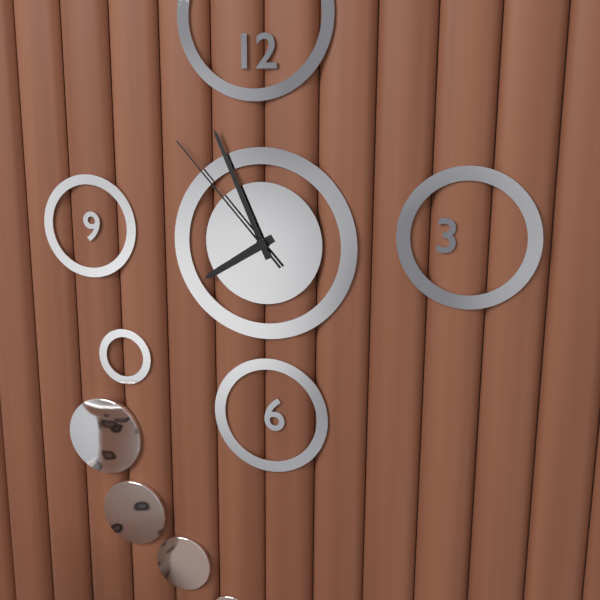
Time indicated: 7:56:53
